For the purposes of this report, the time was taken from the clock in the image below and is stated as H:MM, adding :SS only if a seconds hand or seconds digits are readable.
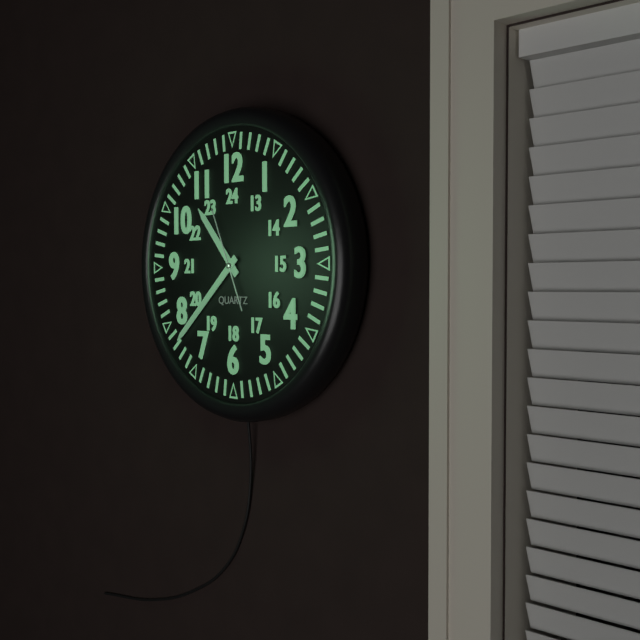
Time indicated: 10:38:56
